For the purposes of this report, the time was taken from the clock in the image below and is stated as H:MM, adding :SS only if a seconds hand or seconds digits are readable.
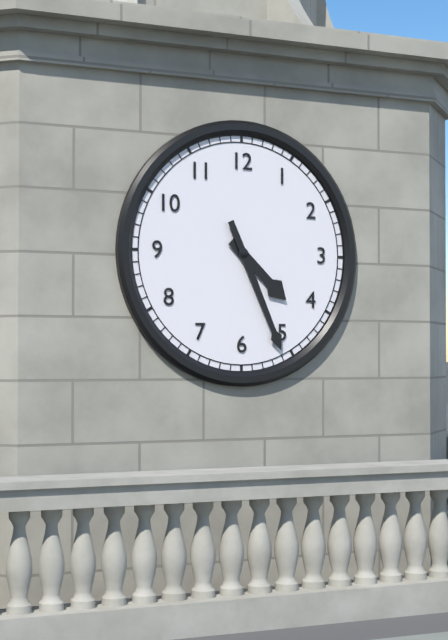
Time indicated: 4:26
